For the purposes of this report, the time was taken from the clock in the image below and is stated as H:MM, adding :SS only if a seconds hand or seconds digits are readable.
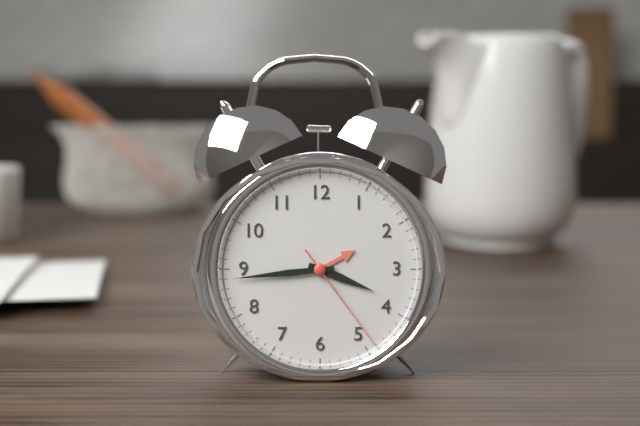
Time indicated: 3:44:24
